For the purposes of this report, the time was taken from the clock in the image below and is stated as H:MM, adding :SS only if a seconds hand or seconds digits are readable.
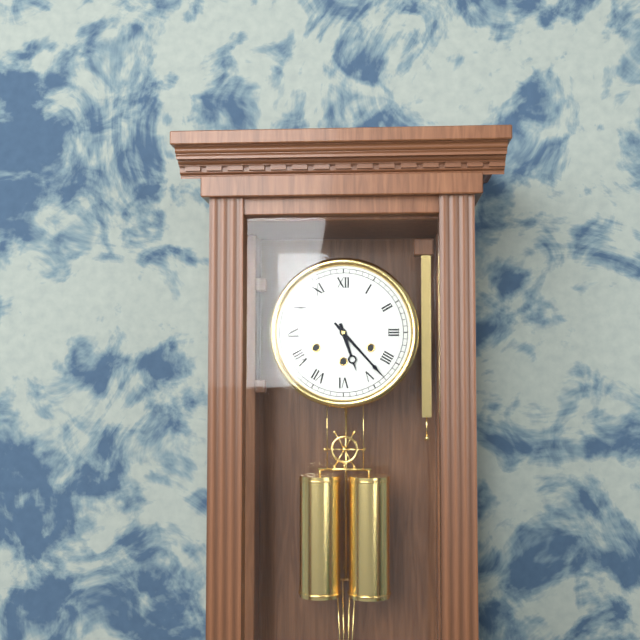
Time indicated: 5:23
